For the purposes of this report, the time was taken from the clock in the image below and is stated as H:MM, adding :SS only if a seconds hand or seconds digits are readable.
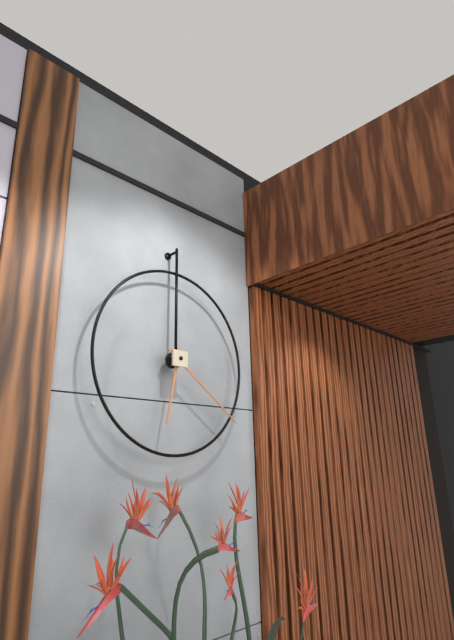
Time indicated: 6:21
